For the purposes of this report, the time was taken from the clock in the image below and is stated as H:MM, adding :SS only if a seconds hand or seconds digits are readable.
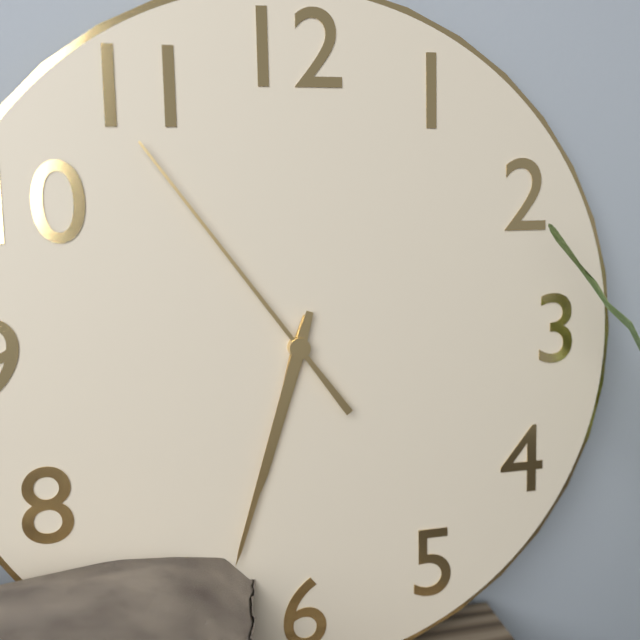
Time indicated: 6:33:54
